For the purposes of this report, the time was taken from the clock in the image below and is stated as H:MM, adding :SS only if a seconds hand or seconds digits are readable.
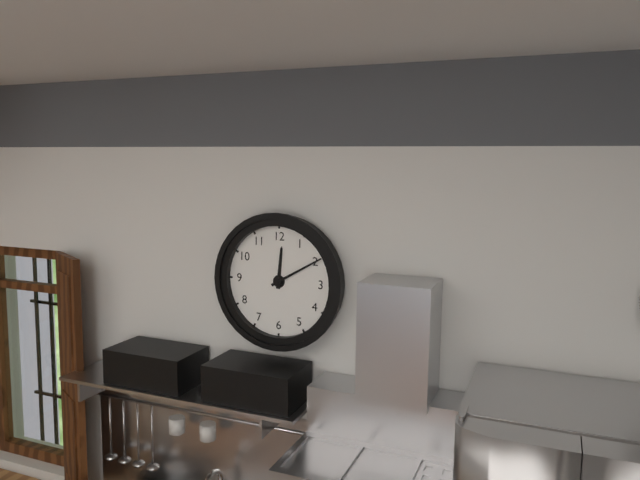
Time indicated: 12:10
